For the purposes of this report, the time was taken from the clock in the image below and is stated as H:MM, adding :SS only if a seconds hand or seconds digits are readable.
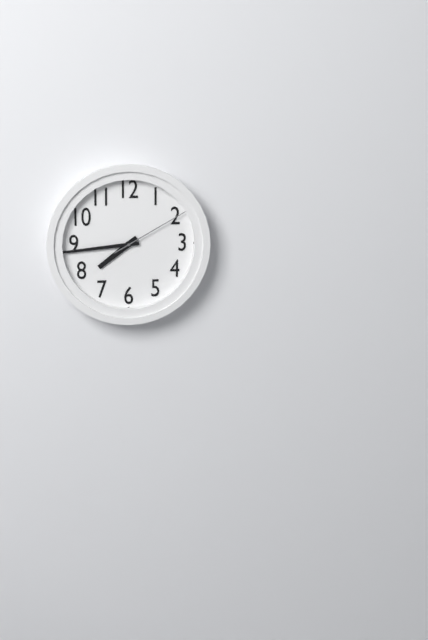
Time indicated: 7:44:10
